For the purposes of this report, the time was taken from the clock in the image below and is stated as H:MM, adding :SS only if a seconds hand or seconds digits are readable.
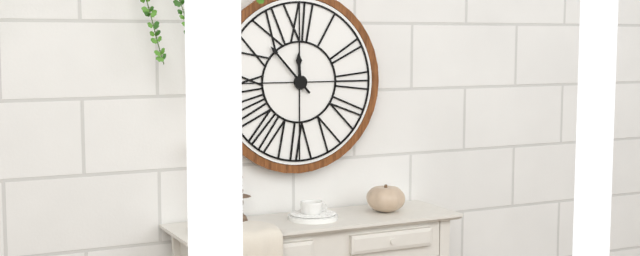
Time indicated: 11:53
